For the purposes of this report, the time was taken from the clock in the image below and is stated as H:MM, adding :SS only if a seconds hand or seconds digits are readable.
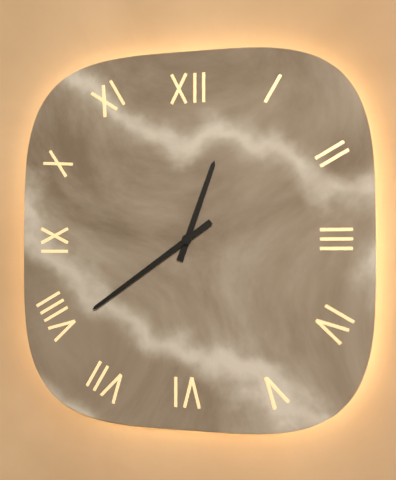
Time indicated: 12:39
